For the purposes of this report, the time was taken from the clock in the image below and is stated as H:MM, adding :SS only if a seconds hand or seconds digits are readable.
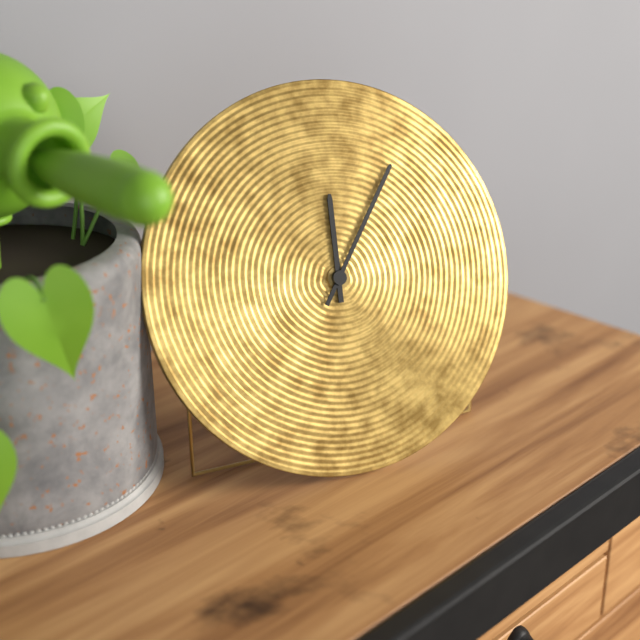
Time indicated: 12:06
